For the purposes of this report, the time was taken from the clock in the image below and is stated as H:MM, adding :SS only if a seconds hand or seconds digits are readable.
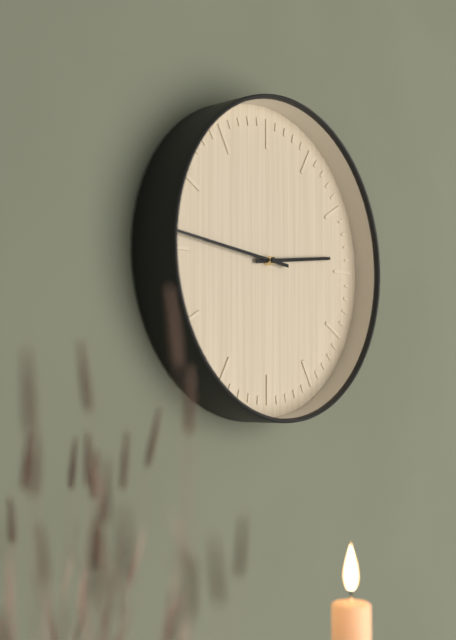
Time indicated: 2:46
